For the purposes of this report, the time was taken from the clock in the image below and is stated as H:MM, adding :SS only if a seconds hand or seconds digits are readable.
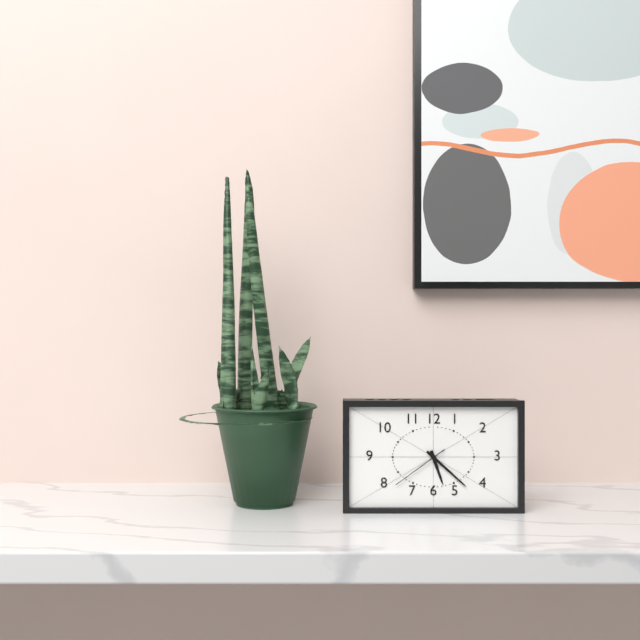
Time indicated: 5:22:39
